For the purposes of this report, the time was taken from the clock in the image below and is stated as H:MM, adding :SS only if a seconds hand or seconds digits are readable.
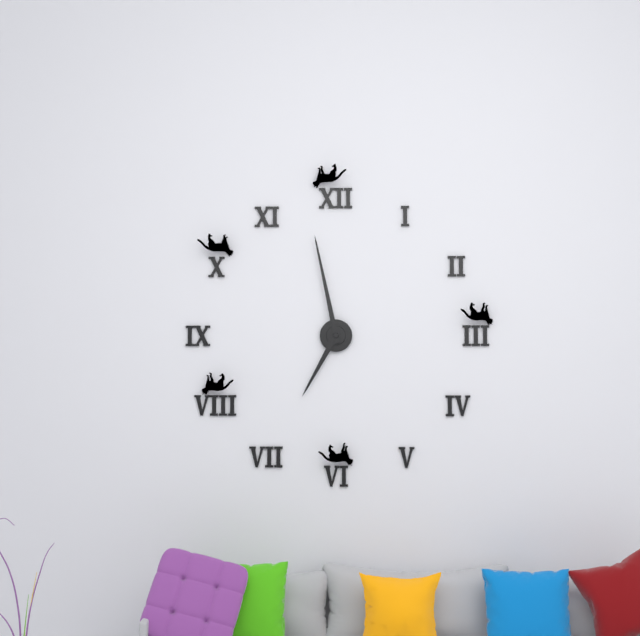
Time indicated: 6:58
